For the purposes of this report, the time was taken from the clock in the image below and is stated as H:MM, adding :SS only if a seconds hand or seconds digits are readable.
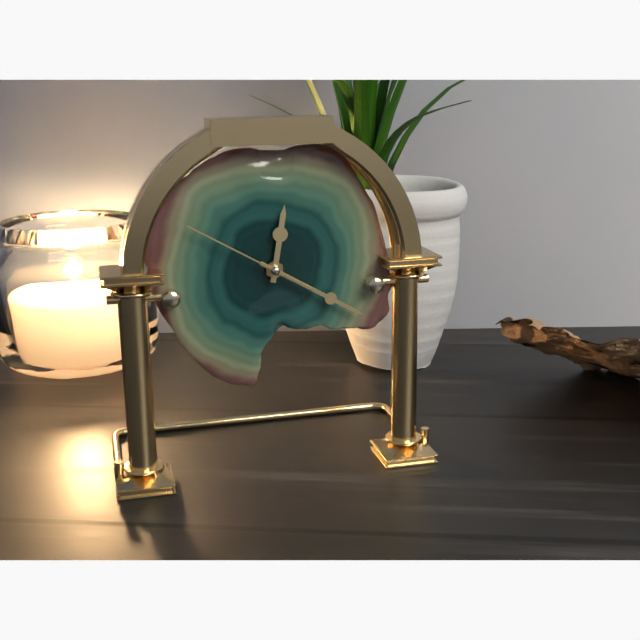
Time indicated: 12:20:50
